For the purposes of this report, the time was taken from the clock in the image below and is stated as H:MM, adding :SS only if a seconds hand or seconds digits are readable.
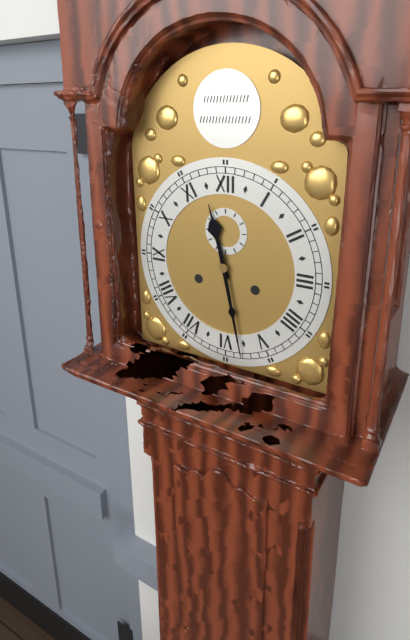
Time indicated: 11:28
